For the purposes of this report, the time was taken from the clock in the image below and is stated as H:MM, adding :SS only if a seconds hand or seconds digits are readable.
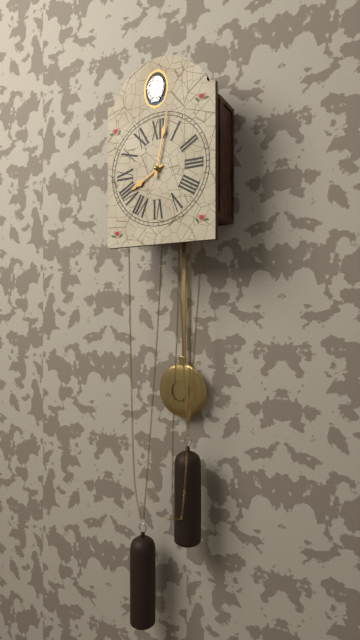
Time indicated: 8:02
